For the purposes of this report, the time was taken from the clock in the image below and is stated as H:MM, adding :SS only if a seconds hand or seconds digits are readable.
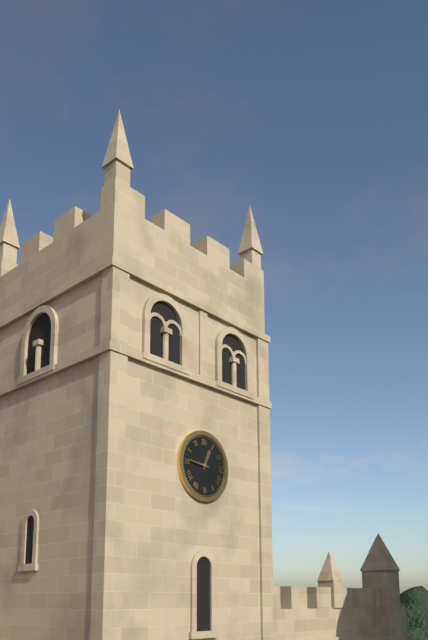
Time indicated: 12:46
